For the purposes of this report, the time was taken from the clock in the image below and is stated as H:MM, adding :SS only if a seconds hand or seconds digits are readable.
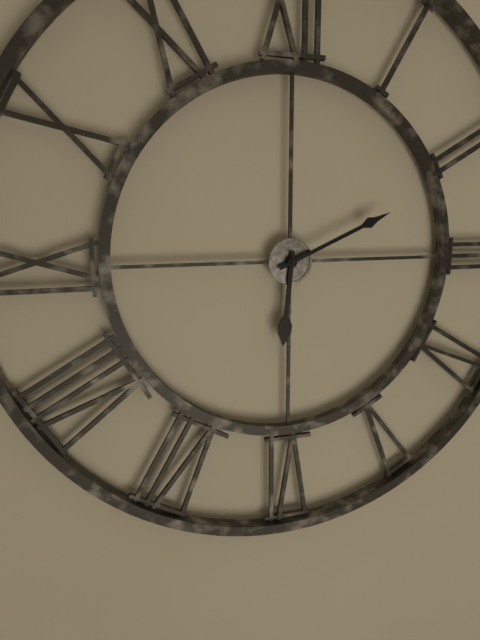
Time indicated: 6:11
